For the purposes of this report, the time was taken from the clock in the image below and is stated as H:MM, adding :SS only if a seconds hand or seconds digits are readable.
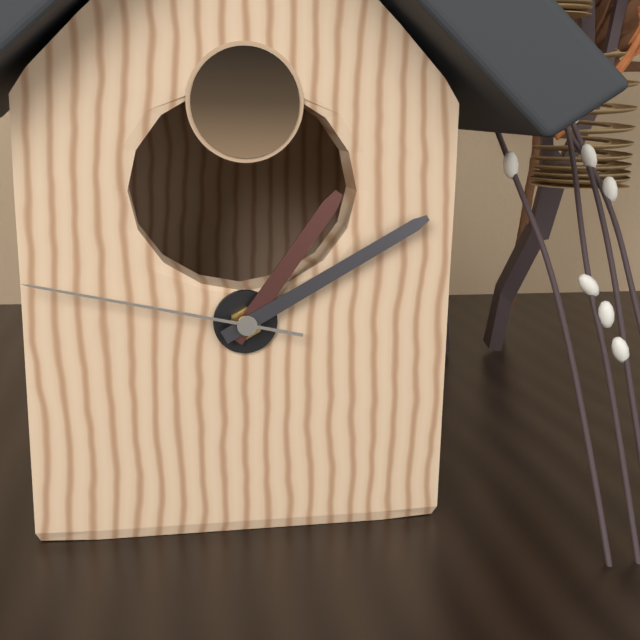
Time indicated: 1:10:47
